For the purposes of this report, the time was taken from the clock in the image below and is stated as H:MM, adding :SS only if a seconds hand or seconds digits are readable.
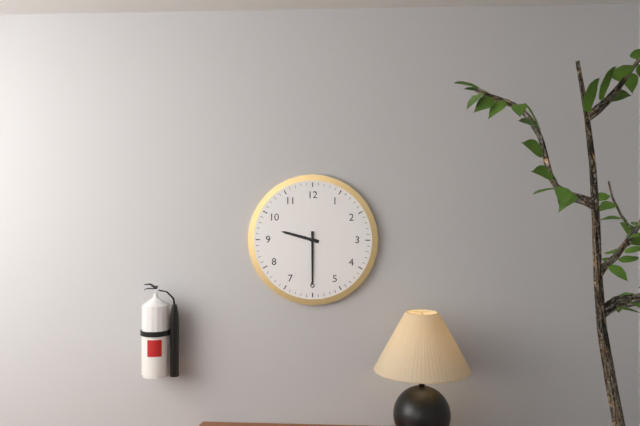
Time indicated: 9:30
